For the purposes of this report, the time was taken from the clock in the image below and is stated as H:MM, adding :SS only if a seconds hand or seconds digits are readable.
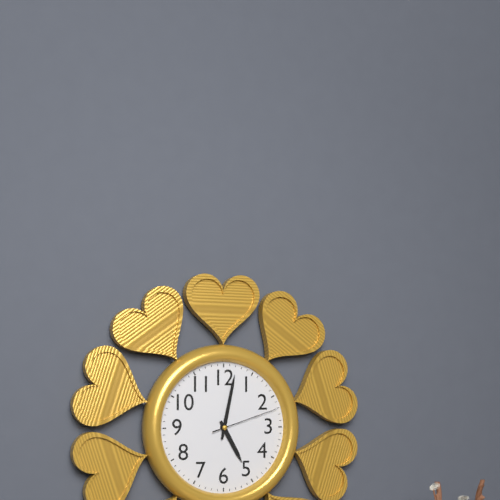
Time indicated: 5:02:12
